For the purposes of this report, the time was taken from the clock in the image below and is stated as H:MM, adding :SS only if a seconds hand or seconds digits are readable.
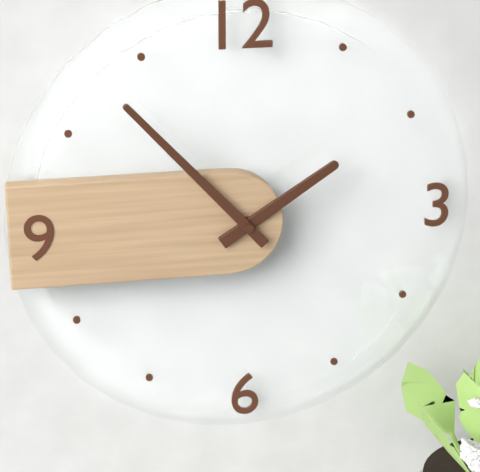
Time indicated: 1:53
